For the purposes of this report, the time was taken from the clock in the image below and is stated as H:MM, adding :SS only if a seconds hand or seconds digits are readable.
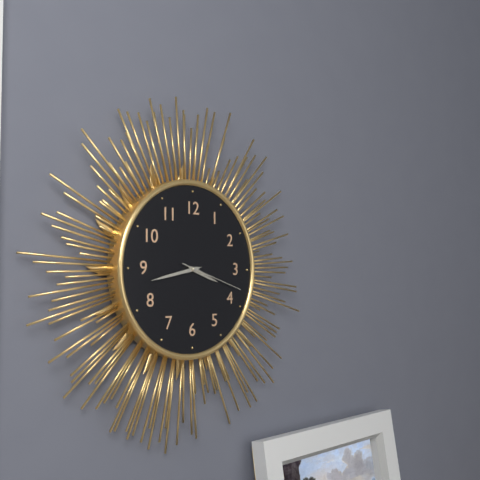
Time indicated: 3:43:18
